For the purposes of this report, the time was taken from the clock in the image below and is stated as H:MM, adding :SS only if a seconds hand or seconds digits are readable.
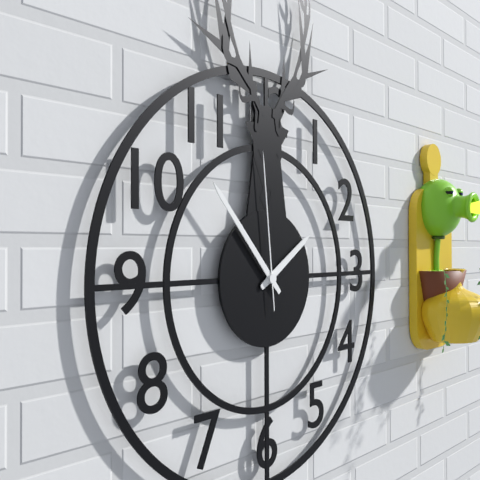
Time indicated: 1:53:59
